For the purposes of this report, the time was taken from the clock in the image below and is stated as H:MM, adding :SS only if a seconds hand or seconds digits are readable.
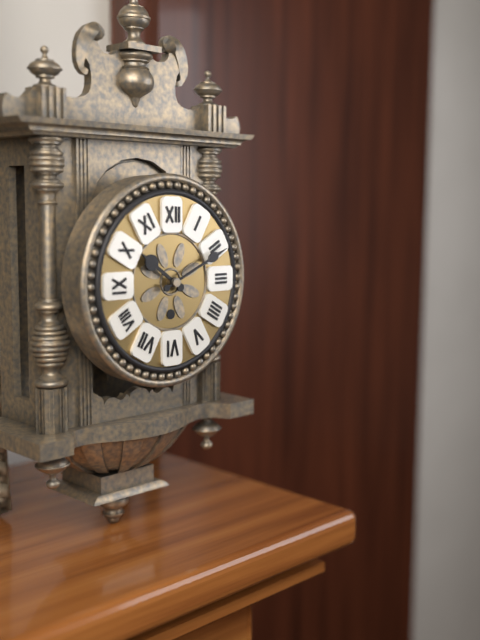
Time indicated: 10:11
